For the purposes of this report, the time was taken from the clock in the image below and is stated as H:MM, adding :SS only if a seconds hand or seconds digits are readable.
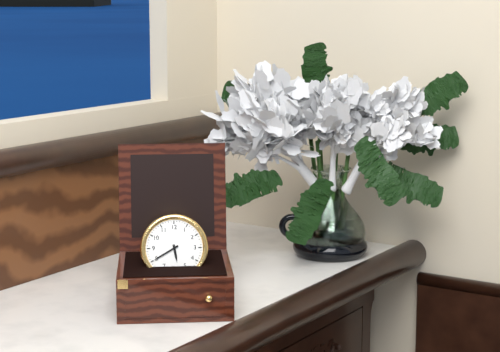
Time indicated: 5:40
